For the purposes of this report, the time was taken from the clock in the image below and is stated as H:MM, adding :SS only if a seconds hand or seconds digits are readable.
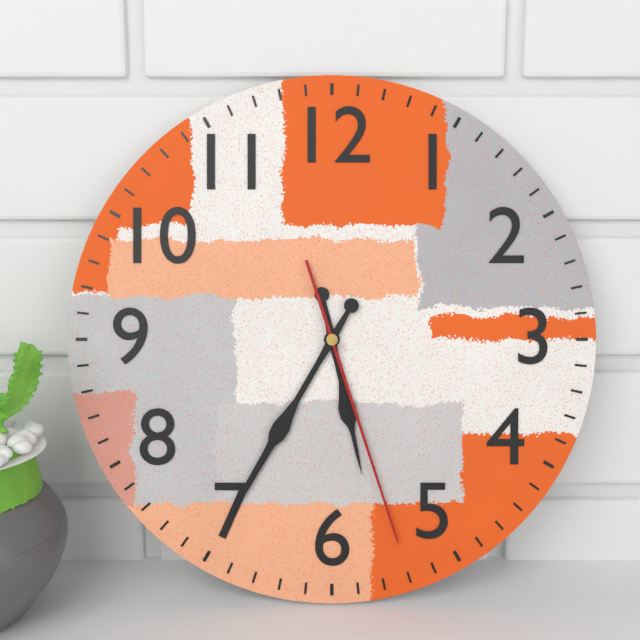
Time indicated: 5:35:27
